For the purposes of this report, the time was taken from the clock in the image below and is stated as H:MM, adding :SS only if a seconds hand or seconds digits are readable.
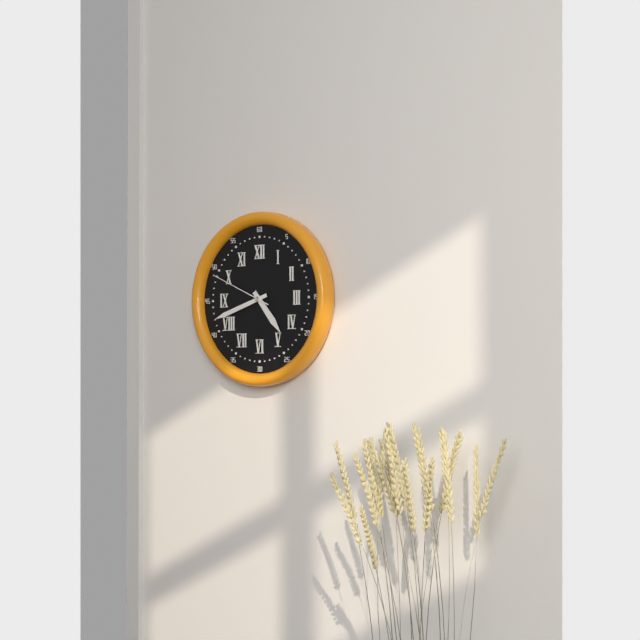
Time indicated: 4:42:49
